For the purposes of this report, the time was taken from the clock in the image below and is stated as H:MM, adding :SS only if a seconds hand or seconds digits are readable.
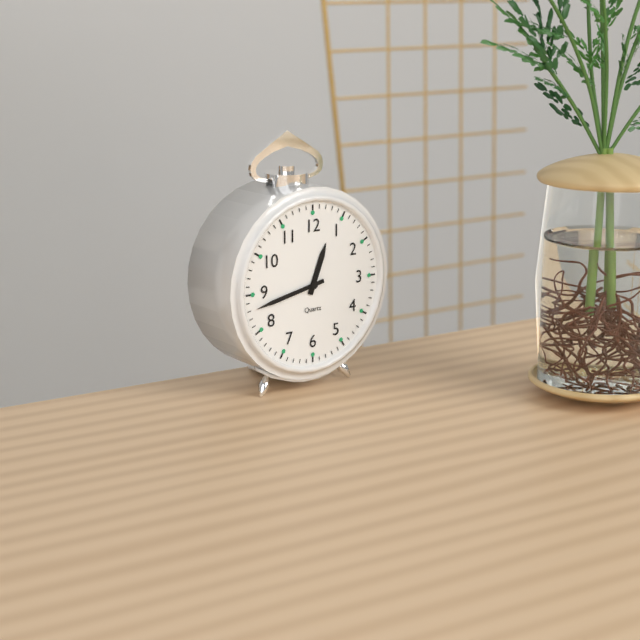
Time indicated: 12:43
